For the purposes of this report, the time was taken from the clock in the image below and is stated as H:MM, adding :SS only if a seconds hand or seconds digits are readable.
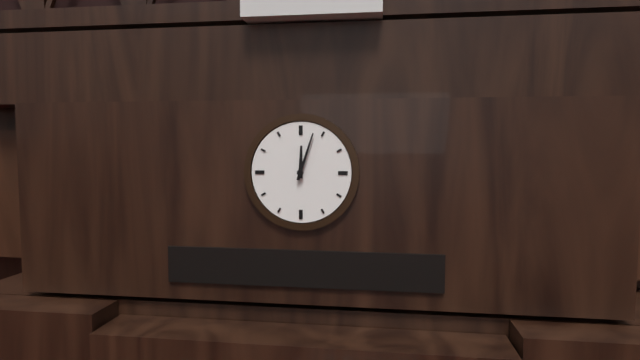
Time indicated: 12:03
